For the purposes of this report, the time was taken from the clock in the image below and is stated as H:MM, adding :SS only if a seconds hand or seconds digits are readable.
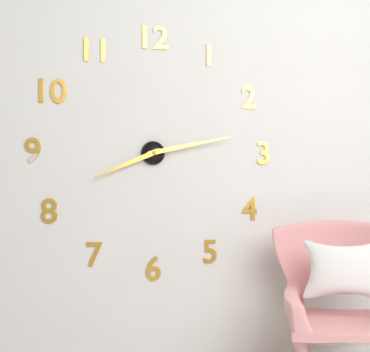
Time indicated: 8:13
